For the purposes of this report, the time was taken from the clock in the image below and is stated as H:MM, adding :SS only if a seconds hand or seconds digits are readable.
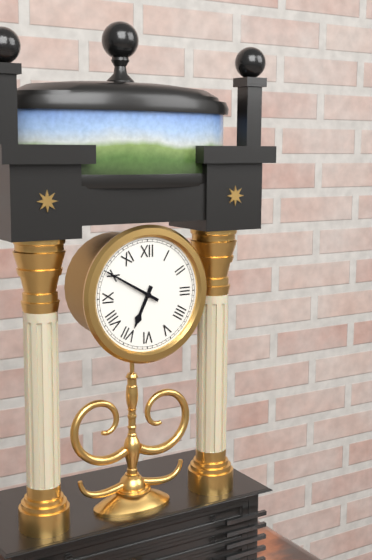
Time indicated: 6:50
